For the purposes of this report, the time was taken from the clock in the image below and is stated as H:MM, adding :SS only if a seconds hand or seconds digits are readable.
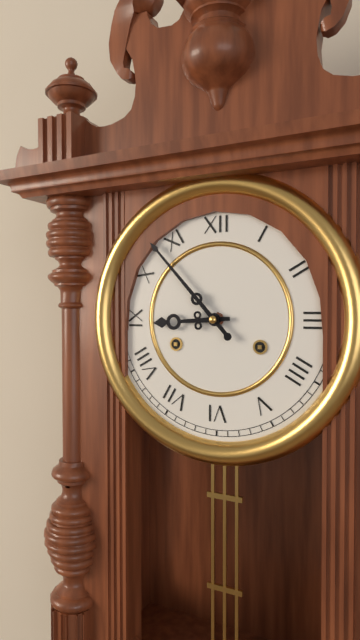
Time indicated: 8:53
